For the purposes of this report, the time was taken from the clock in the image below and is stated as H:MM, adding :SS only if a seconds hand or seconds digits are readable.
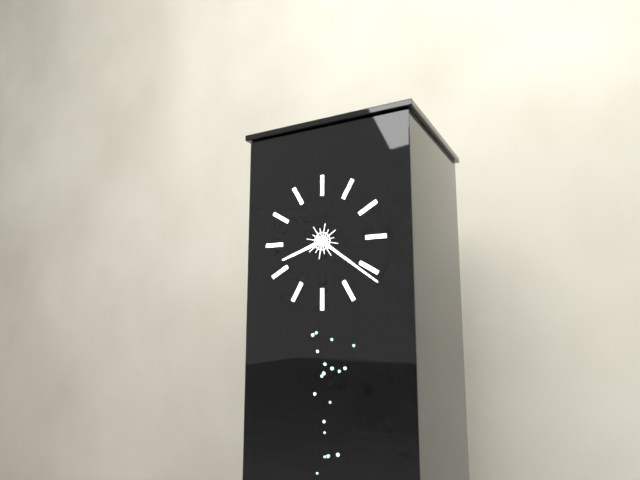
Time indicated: 8:21
